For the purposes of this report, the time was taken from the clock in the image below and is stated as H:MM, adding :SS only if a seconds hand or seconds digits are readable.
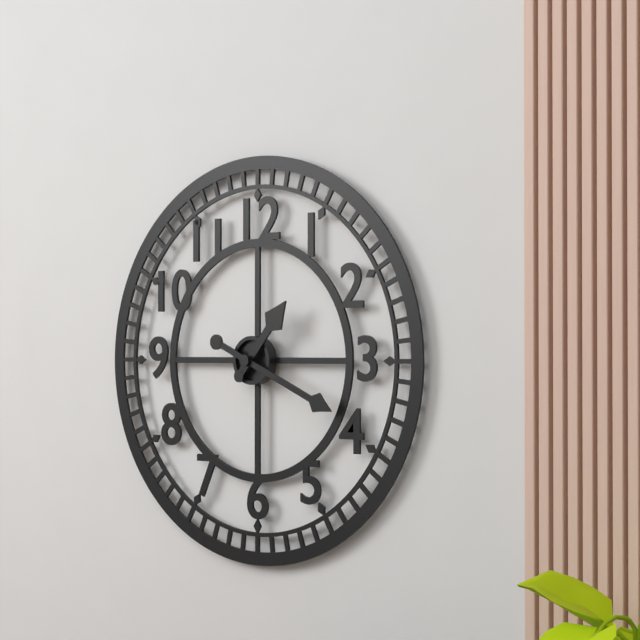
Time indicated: 1:19
